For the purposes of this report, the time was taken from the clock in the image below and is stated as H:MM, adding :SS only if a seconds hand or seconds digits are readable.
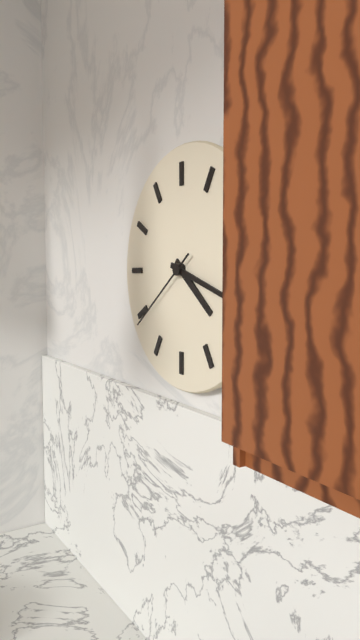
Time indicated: 4:18:39
